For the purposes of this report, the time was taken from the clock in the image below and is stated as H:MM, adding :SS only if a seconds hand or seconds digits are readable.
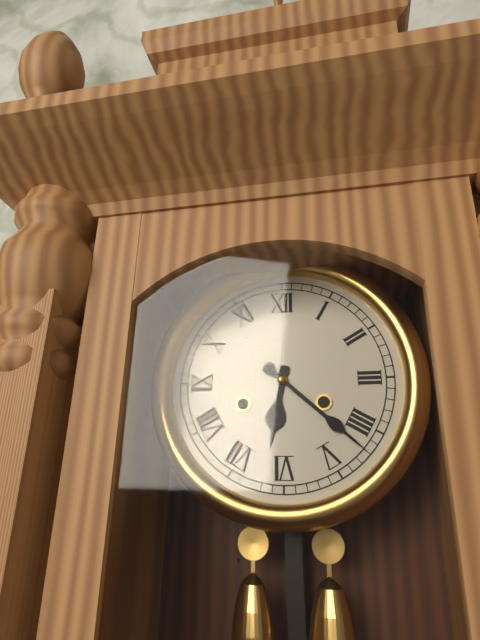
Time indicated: 6:22
